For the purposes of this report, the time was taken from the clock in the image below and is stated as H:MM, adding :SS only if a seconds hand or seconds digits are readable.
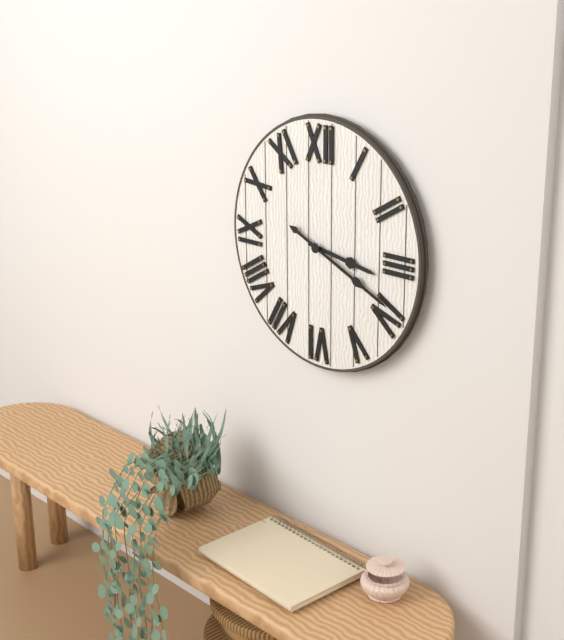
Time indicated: 3:19
